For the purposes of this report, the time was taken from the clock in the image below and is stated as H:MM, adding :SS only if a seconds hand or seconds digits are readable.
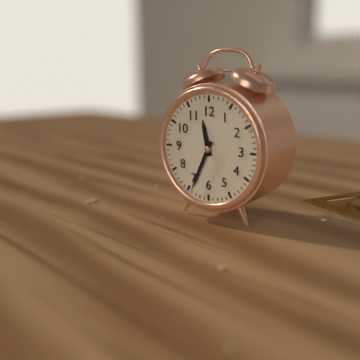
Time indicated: 11:34
